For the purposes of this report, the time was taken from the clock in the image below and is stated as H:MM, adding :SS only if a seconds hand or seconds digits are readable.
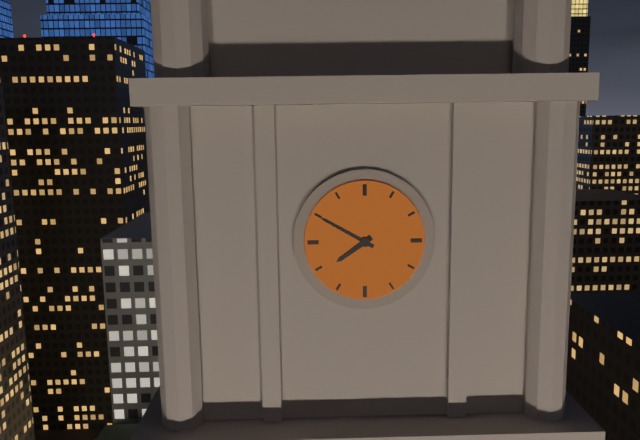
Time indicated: 7:50
